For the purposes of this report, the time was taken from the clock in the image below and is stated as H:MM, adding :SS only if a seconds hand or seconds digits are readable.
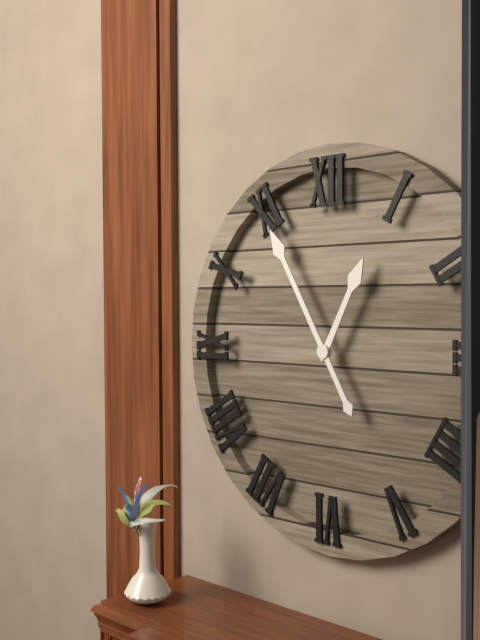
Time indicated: 12:55
